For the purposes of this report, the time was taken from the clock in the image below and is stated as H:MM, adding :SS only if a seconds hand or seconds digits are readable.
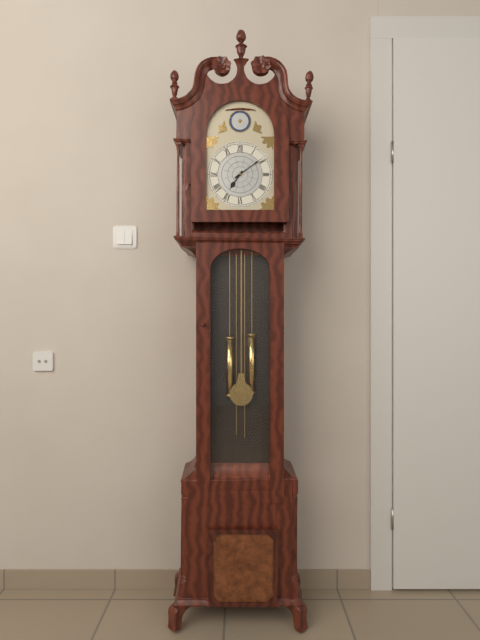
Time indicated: 7:09
